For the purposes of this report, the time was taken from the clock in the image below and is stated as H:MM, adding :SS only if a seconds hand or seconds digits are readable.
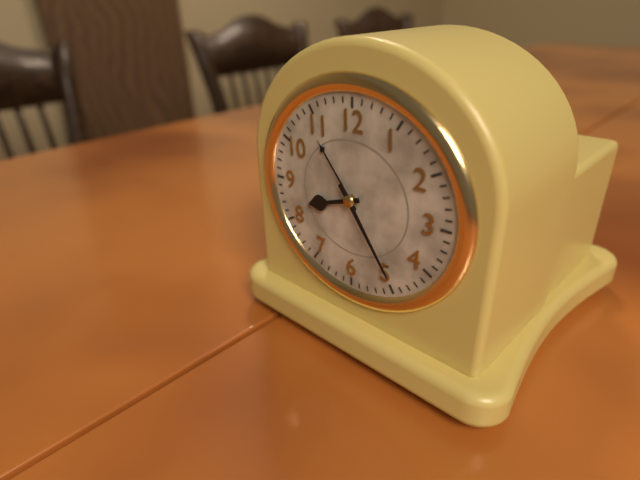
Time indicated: 8:24
